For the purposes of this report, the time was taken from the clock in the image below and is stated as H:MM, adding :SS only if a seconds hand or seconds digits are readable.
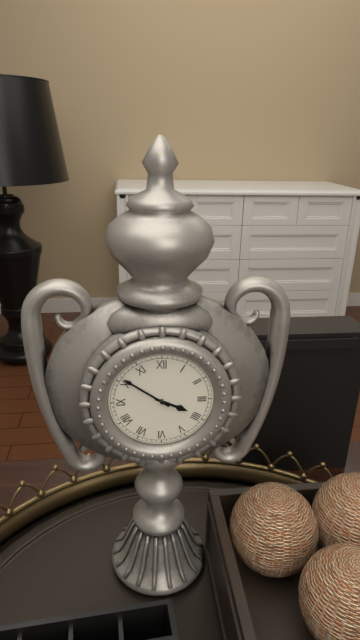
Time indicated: 3:51
